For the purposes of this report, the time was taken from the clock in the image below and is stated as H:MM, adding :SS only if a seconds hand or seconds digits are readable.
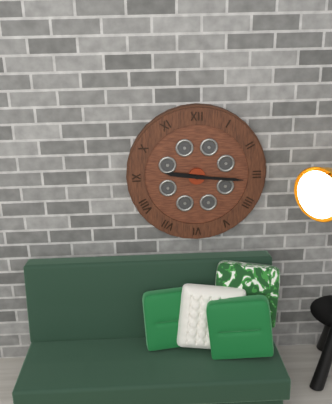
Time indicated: 9:16
